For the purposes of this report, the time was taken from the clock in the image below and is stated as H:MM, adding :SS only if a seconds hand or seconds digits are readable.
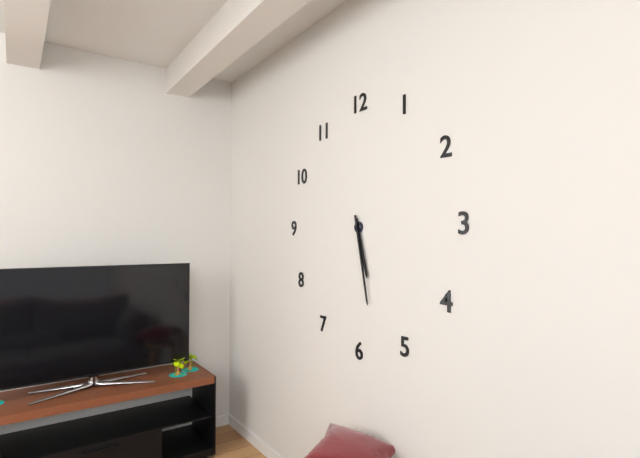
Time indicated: 5:28
